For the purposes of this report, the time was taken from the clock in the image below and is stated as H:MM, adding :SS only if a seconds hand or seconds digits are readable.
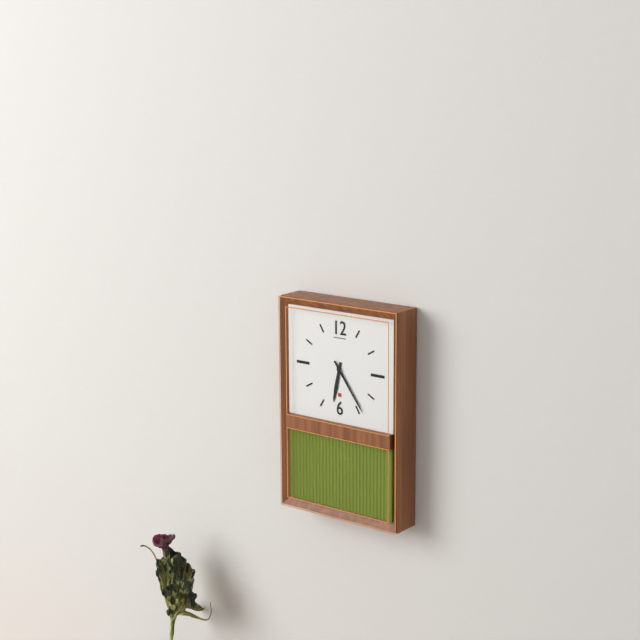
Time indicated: 6:24
